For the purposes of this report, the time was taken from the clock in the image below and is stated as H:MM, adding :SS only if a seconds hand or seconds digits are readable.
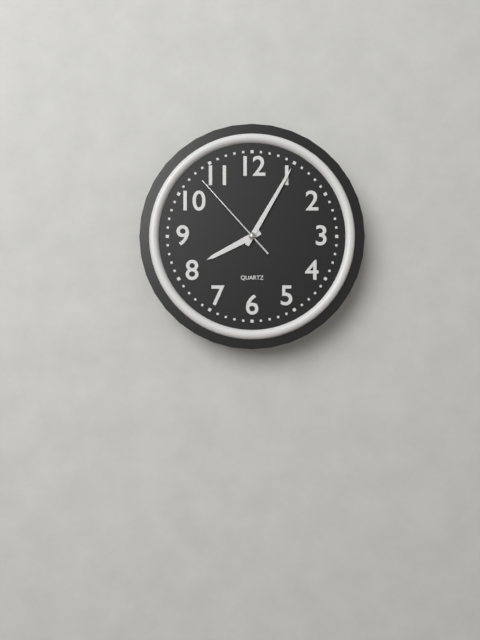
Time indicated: 8:05:53
